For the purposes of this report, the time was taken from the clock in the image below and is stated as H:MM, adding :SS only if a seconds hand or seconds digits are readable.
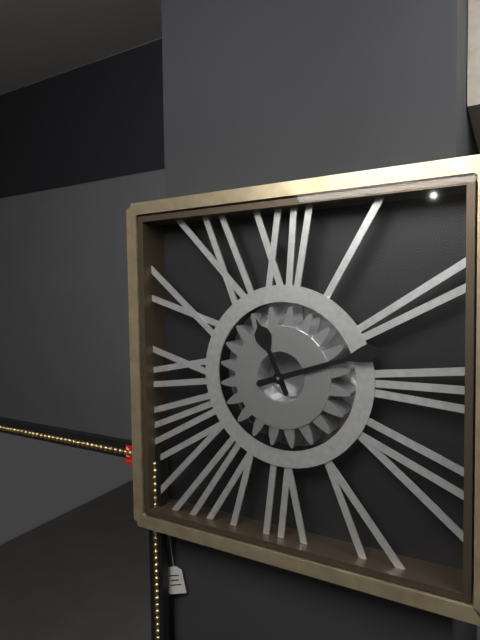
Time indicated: 11:12
